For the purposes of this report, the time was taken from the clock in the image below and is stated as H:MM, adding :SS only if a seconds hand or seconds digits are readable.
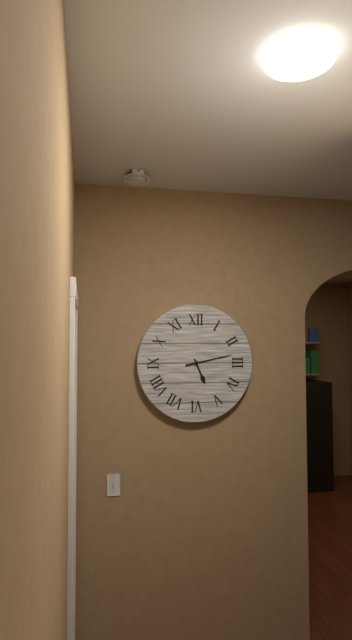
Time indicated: 5:13
